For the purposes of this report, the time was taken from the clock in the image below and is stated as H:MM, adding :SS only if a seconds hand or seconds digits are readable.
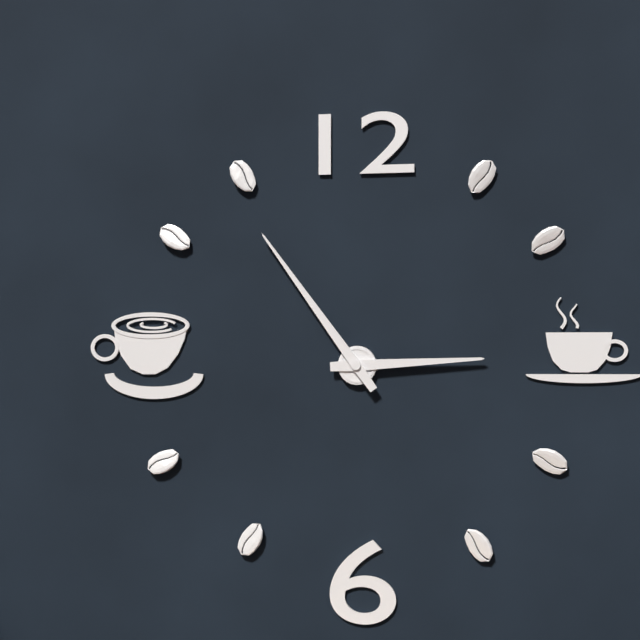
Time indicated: 2:54
